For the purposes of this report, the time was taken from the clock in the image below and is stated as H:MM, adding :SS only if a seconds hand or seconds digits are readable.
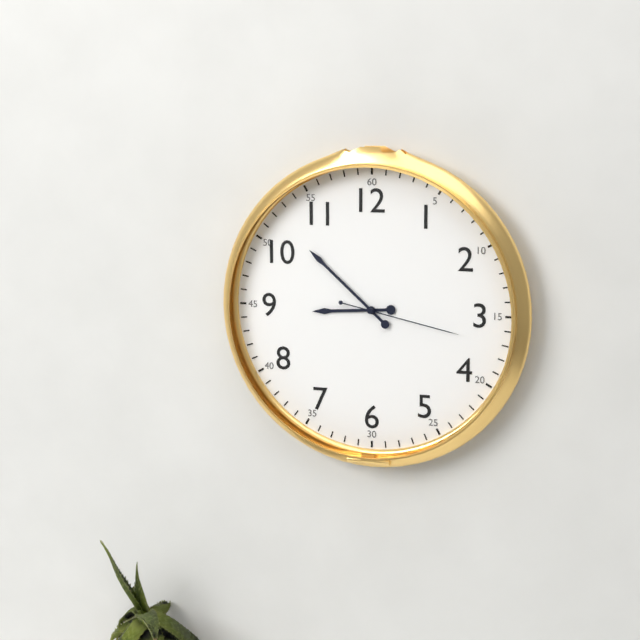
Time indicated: 8:52:17
